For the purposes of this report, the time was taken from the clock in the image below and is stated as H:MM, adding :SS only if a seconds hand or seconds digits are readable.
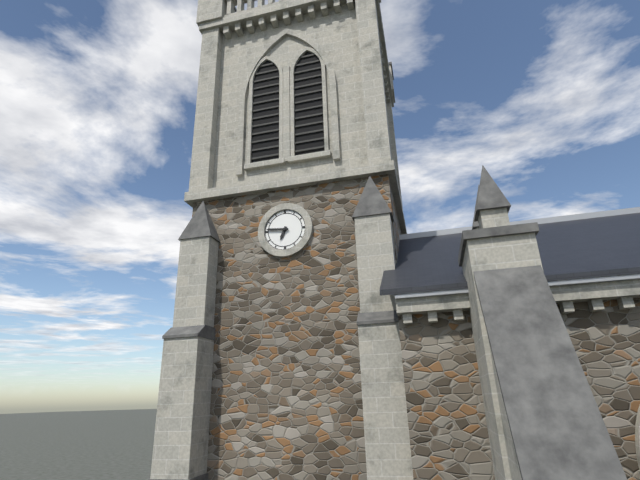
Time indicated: 6:46
